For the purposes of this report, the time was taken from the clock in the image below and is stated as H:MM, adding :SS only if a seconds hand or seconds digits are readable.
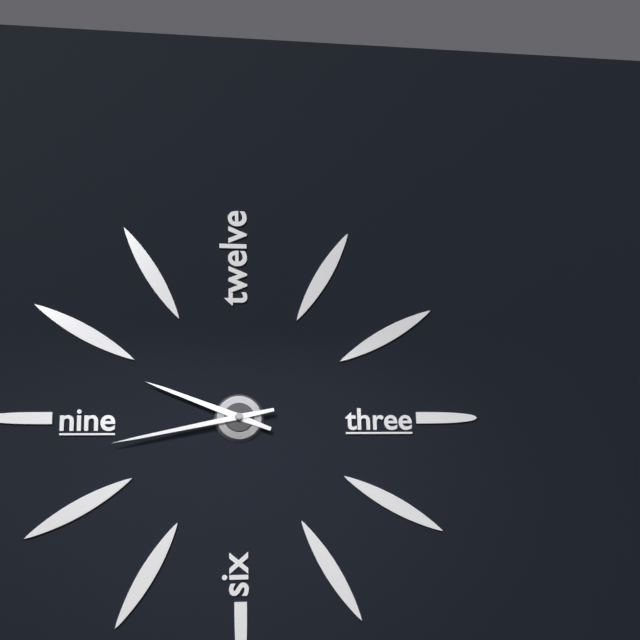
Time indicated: 9:43
